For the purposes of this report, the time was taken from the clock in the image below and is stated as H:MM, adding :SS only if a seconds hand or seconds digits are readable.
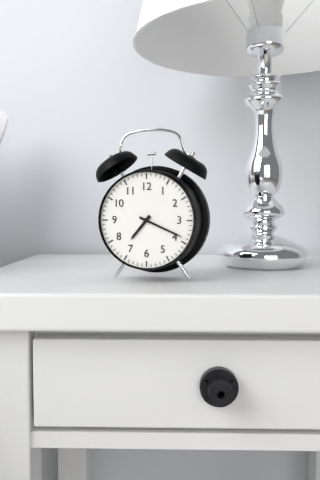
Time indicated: 7:19
